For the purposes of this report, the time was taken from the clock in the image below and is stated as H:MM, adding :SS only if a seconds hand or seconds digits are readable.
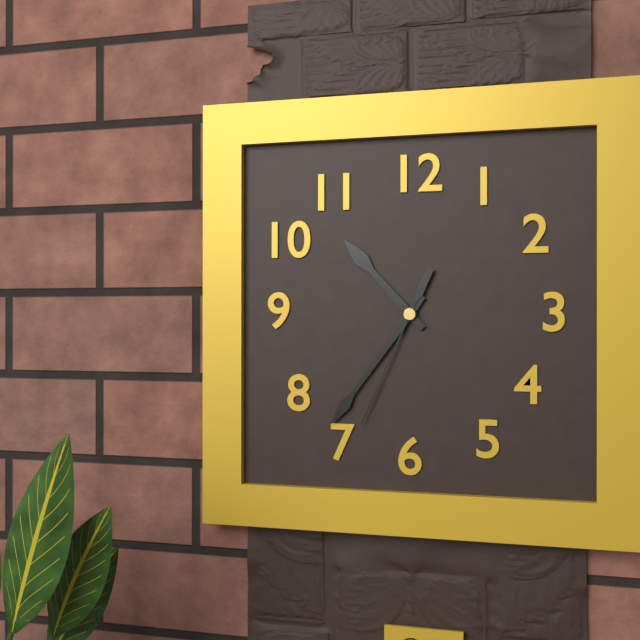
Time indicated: 10:36:34
